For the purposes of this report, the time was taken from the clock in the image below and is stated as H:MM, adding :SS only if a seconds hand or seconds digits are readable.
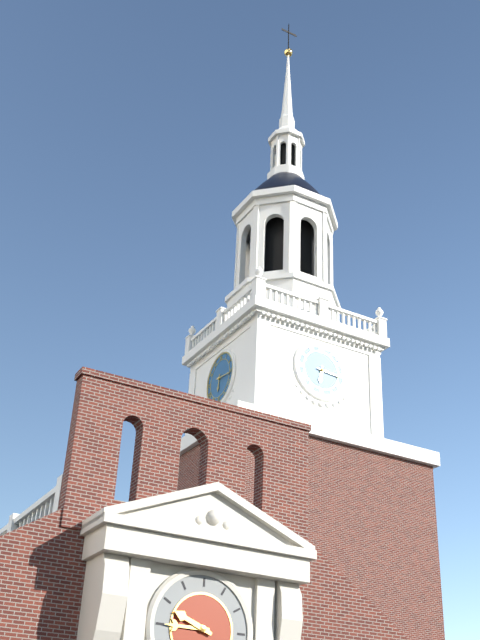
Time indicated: 6:16
